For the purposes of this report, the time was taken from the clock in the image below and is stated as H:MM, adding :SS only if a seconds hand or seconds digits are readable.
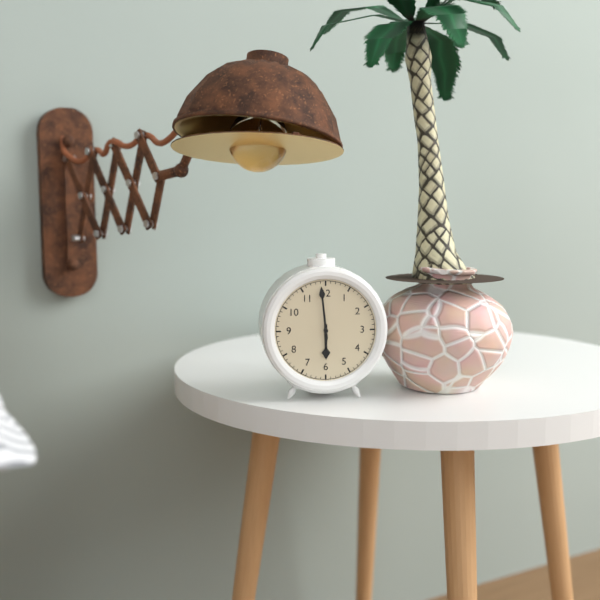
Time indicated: 5:59
